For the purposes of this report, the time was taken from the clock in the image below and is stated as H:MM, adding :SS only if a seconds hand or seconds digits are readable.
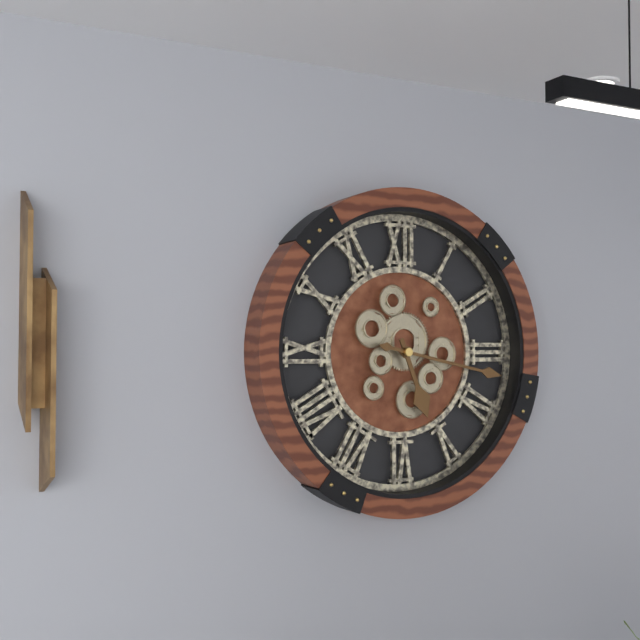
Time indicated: 5:17
